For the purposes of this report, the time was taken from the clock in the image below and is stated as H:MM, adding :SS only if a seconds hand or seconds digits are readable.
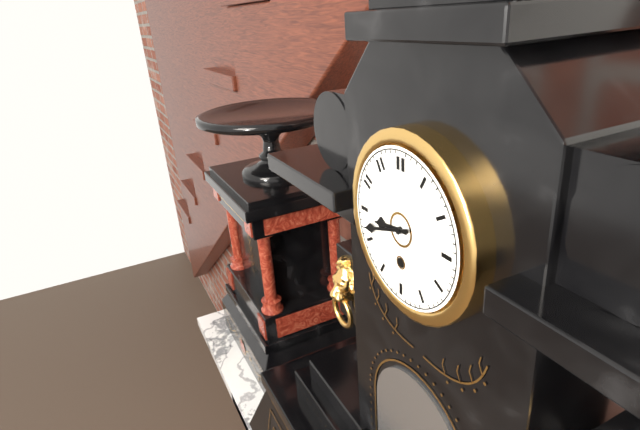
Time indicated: 8:42
